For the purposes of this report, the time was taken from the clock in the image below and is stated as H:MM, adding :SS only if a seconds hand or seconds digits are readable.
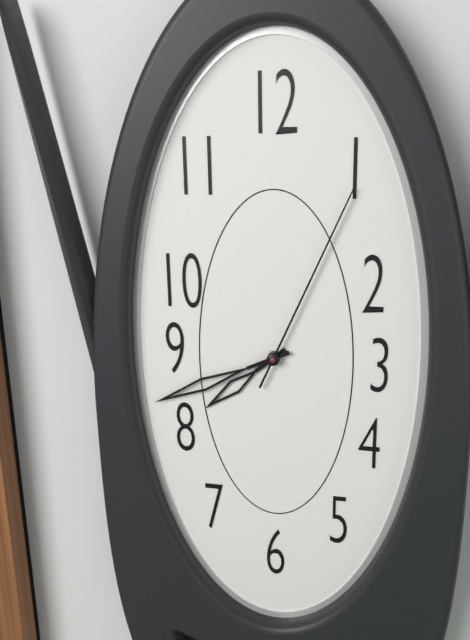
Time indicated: 7:41:04
